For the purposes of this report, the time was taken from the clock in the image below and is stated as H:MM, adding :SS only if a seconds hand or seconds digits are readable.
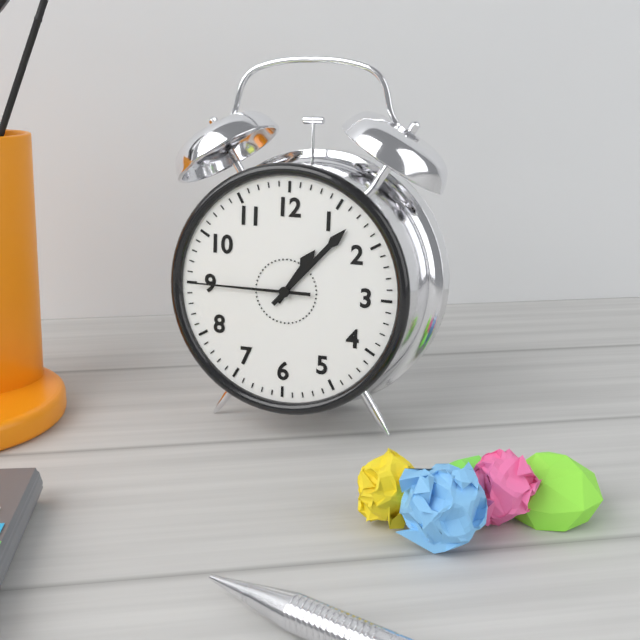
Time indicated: 1:07:45
